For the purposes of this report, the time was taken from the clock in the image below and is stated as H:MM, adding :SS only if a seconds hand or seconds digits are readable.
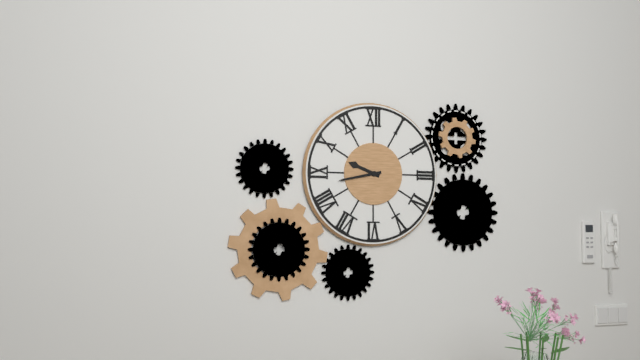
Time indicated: 9:43
